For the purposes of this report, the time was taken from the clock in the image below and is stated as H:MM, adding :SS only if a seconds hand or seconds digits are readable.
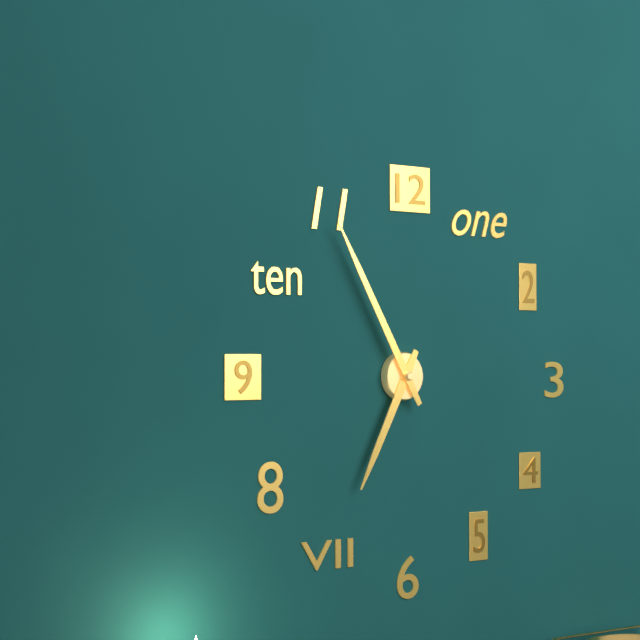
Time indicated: 6:55
